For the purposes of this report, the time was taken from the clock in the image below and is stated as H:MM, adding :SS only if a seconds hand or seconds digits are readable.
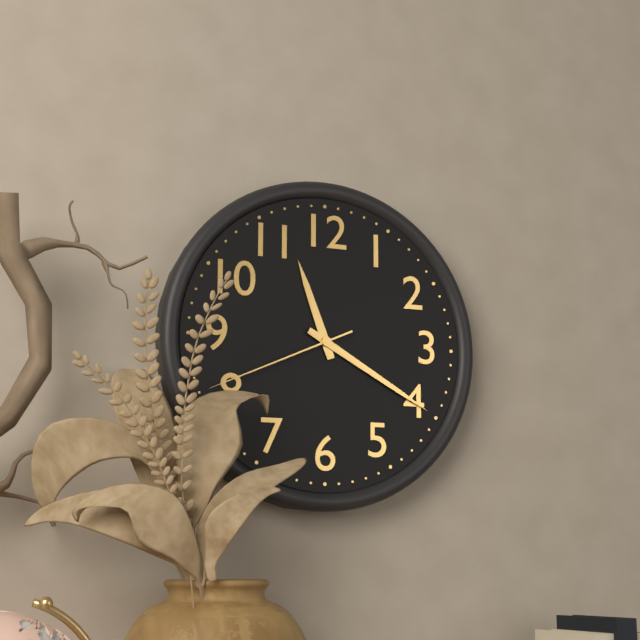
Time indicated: 11:20:41
